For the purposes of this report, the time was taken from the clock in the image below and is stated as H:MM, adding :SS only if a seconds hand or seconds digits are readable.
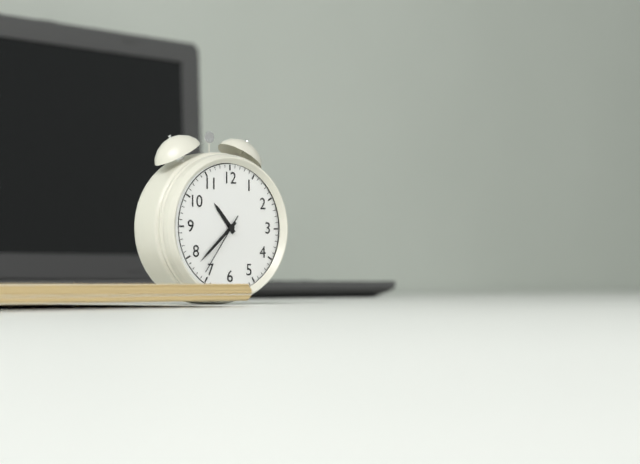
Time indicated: 10:38:36
